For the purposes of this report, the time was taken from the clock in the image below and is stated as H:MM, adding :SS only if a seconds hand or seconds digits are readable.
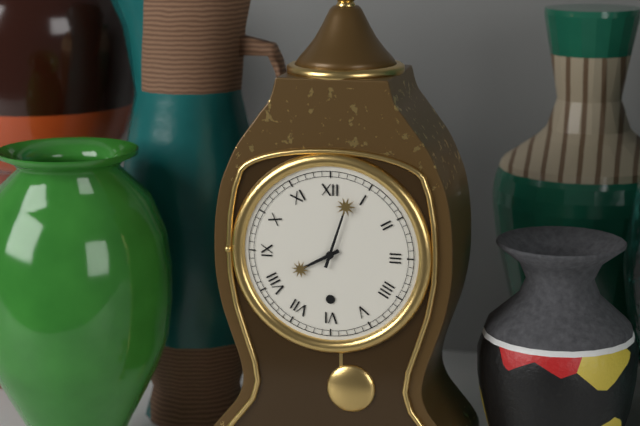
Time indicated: 8:03
